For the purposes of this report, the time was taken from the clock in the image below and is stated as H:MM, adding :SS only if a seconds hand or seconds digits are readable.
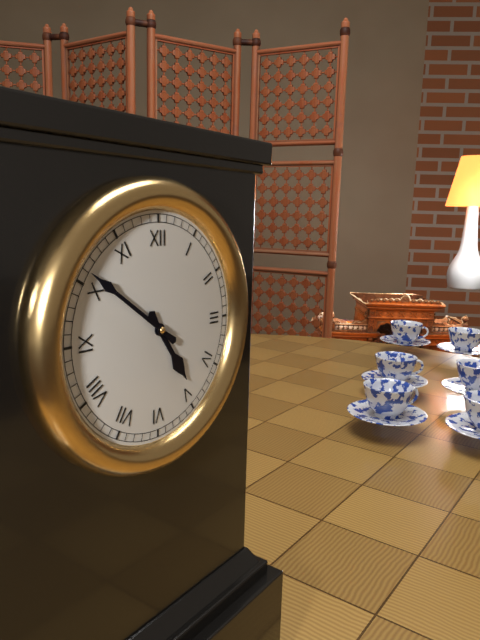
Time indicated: 4:51
